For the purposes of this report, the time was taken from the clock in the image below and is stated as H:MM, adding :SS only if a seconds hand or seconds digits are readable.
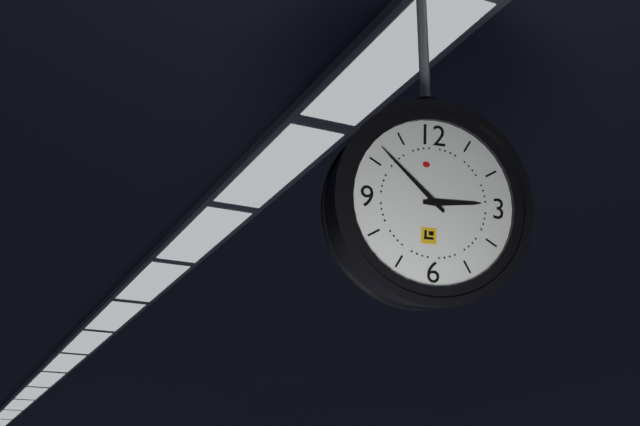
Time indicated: 2:52
